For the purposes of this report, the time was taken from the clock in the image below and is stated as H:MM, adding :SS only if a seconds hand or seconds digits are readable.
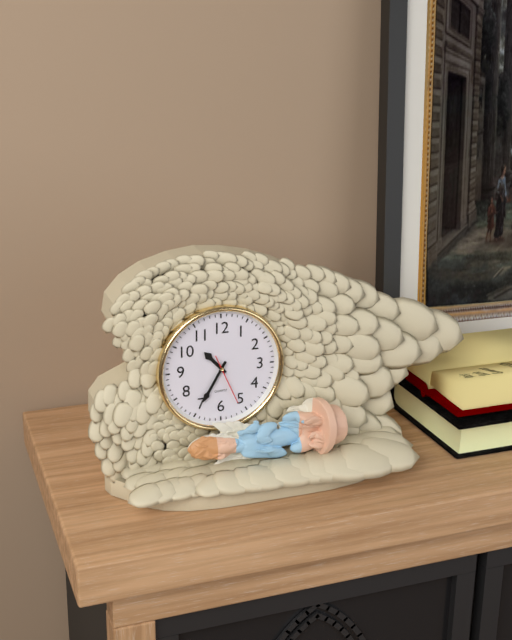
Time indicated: 10:35
